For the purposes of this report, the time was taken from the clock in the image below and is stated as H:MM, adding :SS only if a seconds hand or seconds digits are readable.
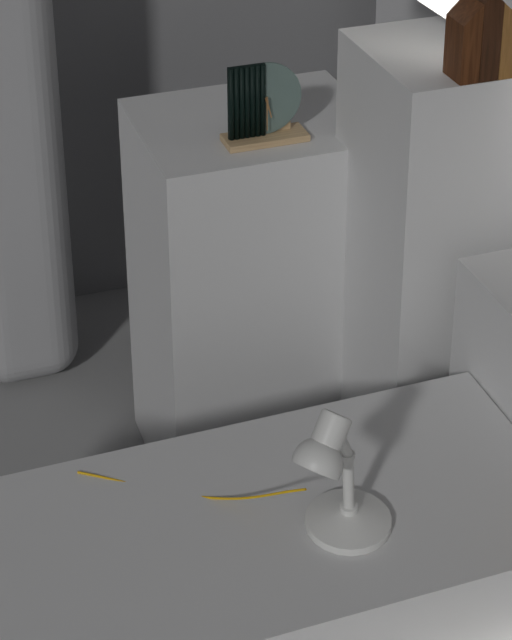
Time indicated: 5:30
